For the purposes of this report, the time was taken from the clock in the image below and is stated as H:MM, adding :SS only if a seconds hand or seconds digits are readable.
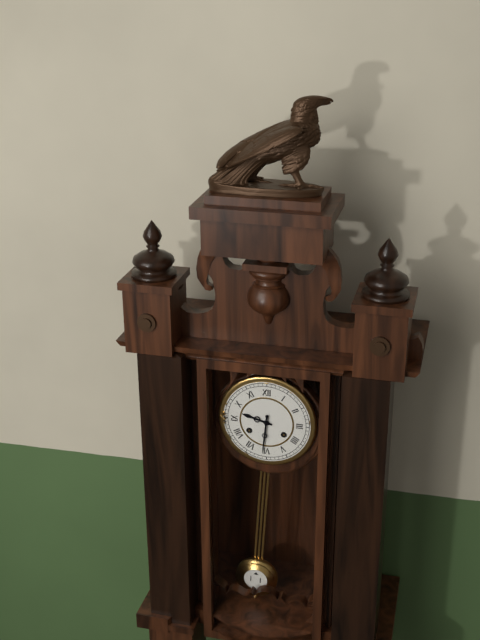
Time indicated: 9:31
